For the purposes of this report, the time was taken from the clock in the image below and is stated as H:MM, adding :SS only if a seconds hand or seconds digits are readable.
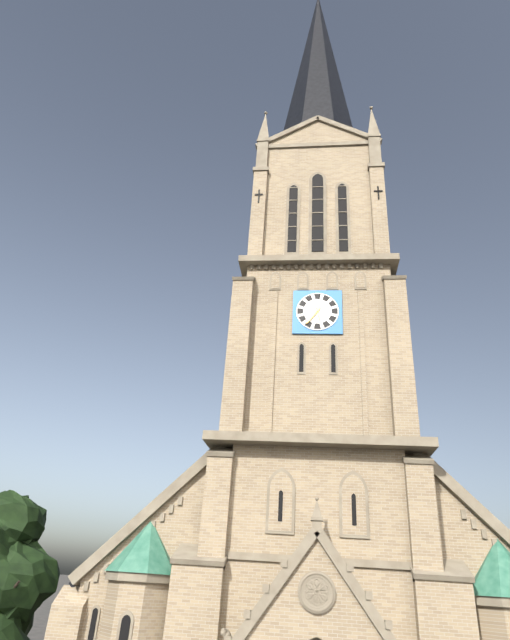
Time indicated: 5:36
